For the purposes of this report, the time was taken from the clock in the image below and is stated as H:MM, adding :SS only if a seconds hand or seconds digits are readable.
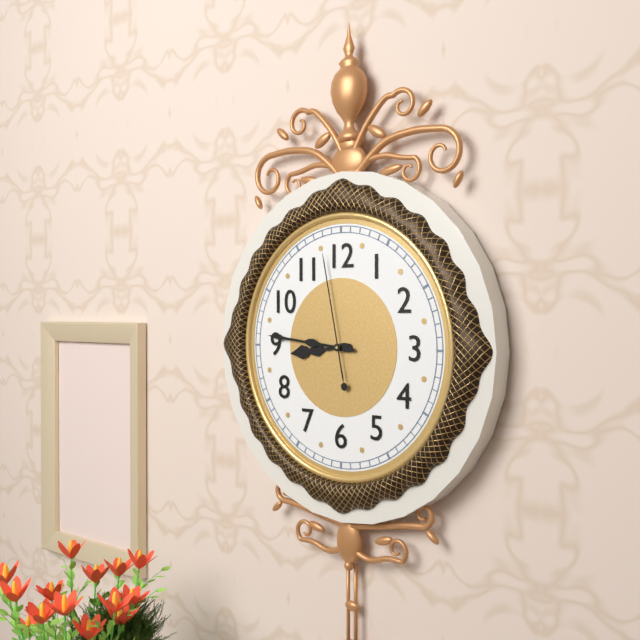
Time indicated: 8:46:58
